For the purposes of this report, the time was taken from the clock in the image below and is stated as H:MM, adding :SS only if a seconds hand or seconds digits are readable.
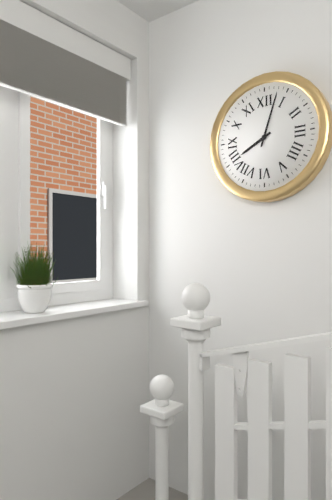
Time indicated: 8:03
